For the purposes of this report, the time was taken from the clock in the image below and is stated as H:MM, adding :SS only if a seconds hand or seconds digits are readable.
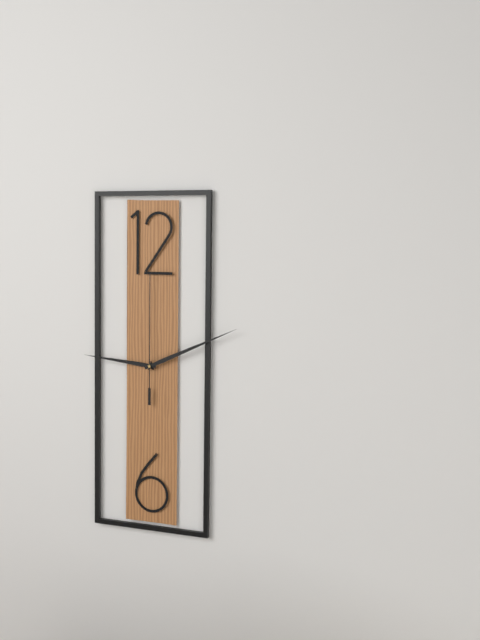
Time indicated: 9:11:00
